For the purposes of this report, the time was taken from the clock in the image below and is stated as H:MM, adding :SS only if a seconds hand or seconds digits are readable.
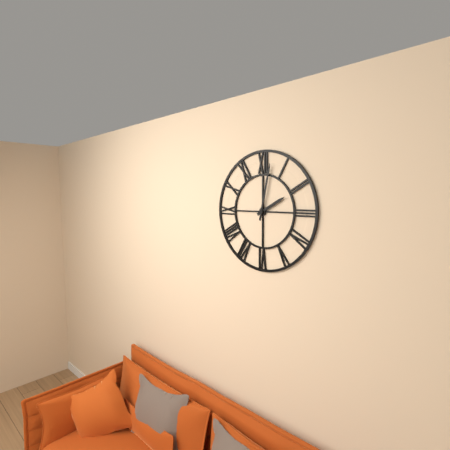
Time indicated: 2:02
